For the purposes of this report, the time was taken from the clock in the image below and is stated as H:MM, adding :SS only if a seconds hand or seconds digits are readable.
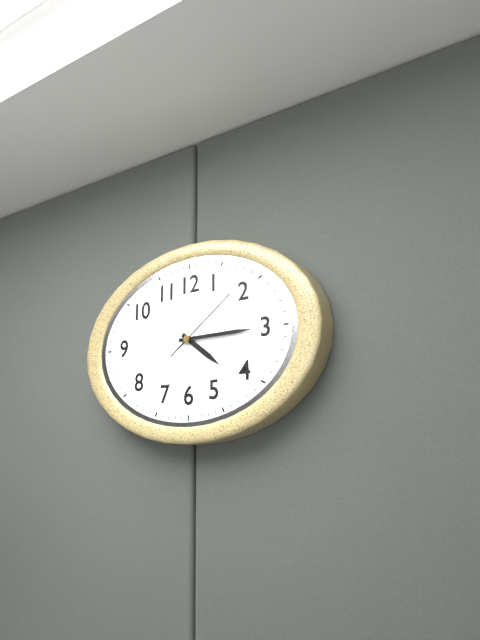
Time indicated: 4:15:09
